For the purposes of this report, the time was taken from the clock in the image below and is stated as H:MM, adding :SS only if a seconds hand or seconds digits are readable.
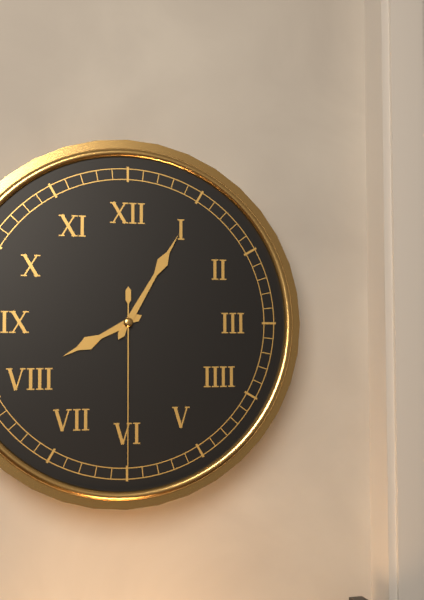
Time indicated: 8:05:30
